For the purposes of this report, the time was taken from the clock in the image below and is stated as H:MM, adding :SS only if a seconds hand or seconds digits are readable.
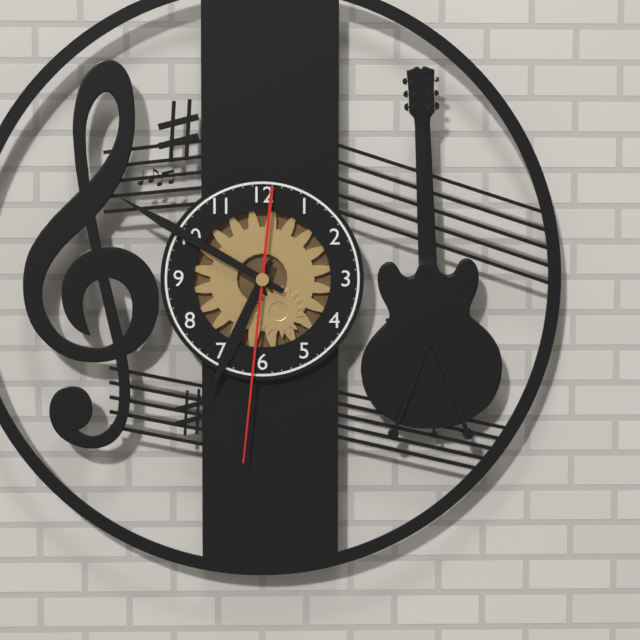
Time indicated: 6:50:31
